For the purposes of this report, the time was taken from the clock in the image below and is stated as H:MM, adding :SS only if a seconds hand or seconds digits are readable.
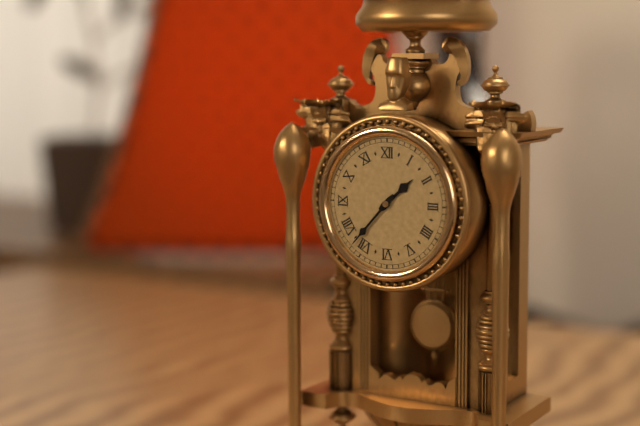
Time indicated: 1:37
